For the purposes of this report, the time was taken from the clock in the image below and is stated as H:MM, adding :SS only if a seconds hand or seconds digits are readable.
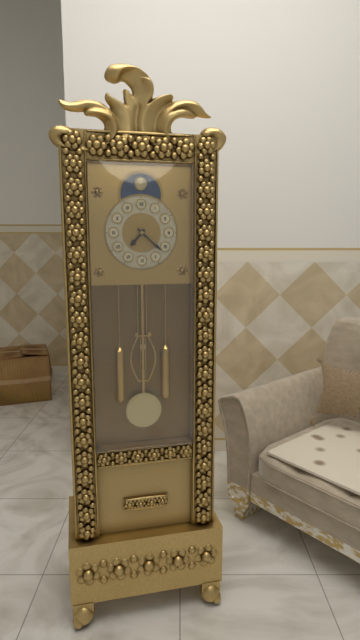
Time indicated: 7:22
